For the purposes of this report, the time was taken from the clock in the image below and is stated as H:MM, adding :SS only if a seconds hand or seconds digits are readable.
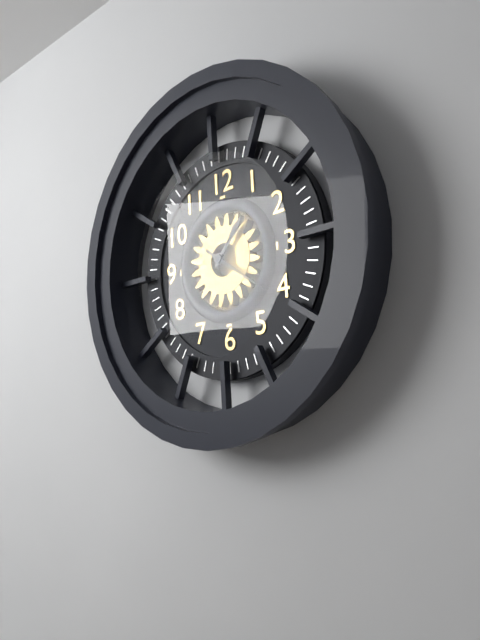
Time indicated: 1:21
